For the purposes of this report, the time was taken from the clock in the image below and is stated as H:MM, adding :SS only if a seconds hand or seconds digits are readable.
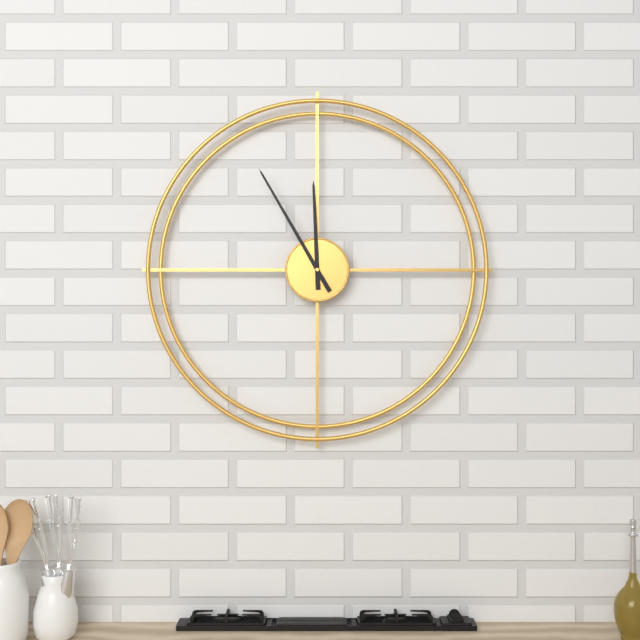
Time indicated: 11:55
